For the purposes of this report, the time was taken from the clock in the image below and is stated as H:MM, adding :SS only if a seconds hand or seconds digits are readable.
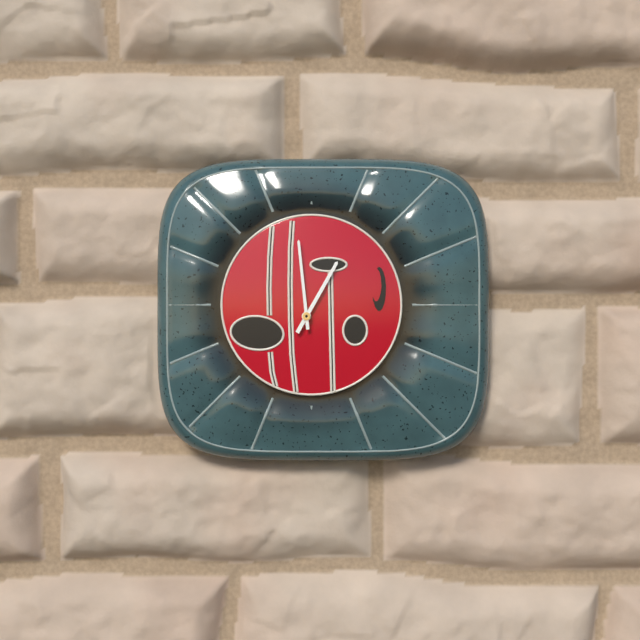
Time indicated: 12:59
